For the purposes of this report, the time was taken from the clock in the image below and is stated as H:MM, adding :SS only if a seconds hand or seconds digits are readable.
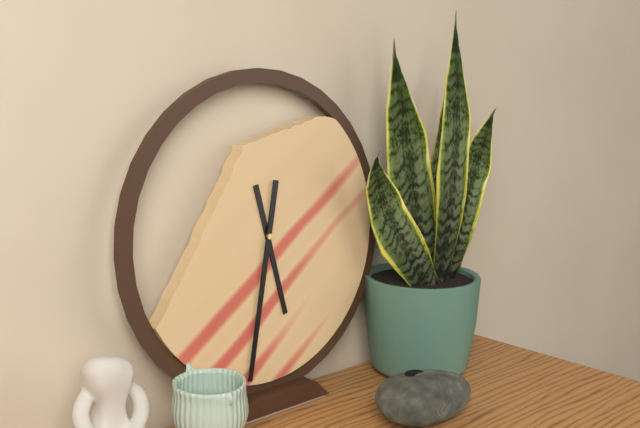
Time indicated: 5:32
